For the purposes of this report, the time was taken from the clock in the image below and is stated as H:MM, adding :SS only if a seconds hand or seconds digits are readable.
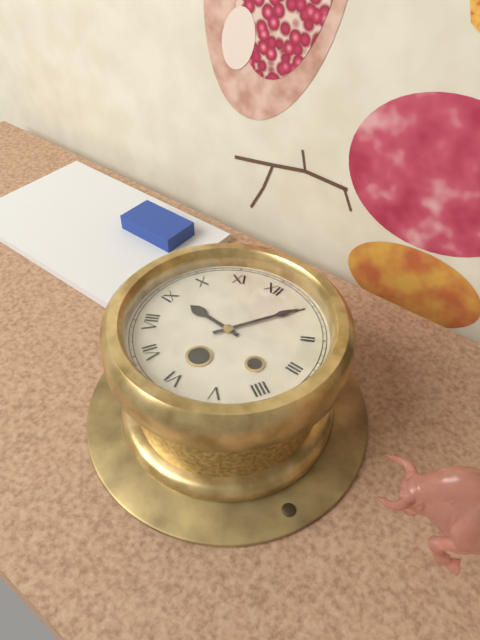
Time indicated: 9:05
